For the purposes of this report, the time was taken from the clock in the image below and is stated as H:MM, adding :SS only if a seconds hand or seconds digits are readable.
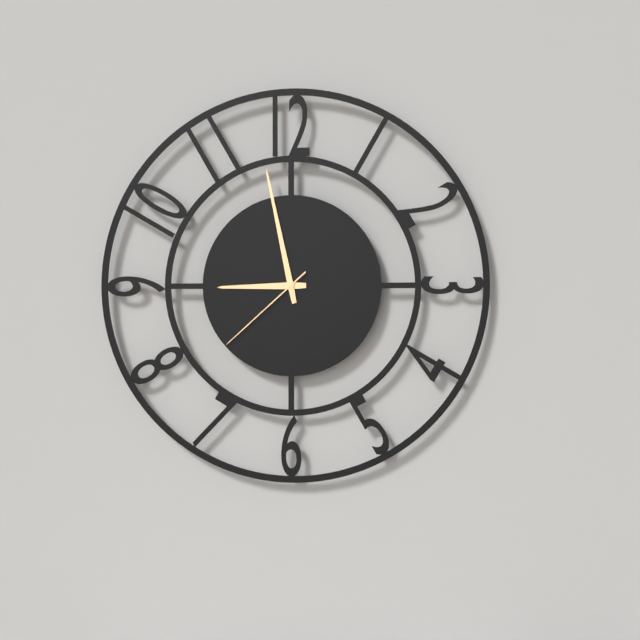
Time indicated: 8:58:38
